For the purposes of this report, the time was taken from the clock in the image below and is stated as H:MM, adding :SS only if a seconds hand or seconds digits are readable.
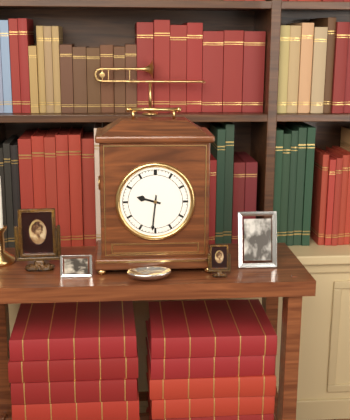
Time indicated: 9:31
